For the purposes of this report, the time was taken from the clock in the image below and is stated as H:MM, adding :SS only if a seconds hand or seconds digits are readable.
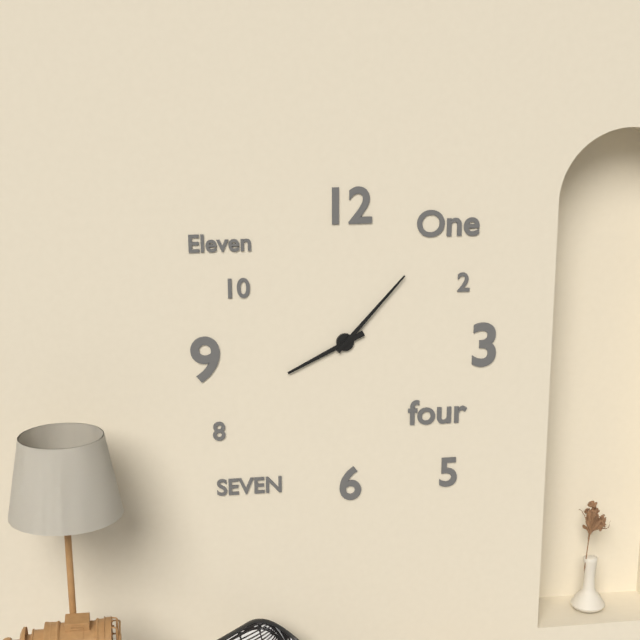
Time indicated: 8:07
